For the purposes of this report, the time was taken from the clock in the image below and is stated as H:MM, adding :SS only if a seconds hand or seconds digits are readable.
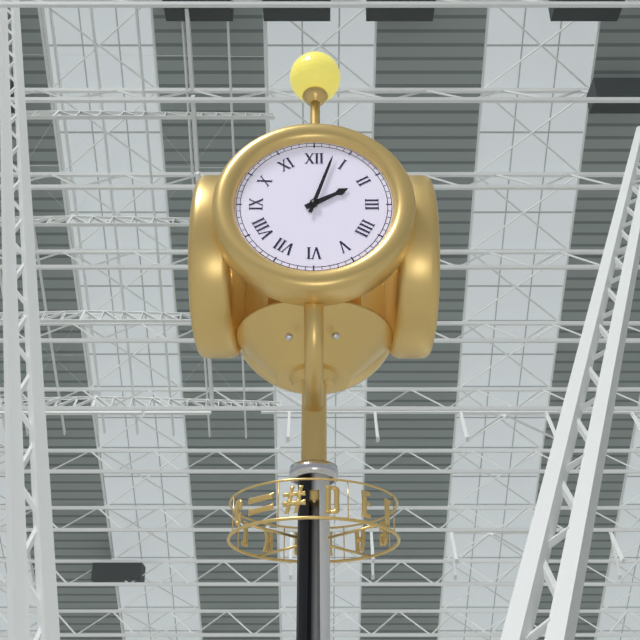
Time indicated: 2:03
